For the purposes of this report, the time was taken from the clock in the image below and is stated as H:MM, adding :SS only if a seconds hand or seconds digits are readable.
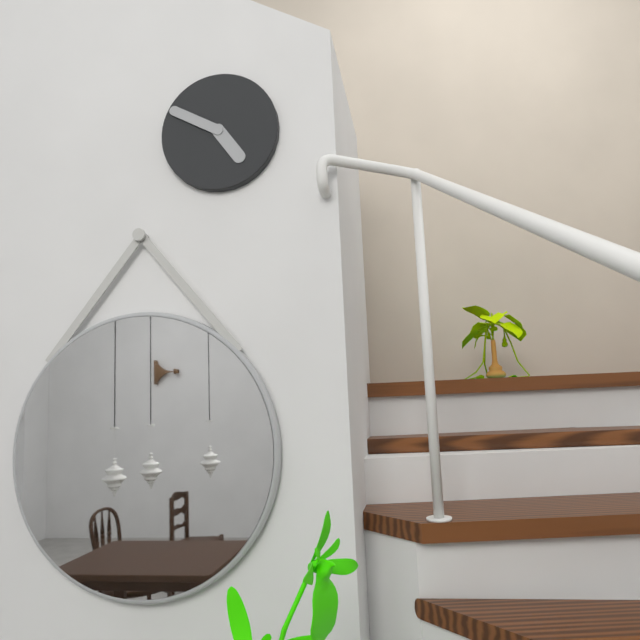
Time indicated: 4:50
